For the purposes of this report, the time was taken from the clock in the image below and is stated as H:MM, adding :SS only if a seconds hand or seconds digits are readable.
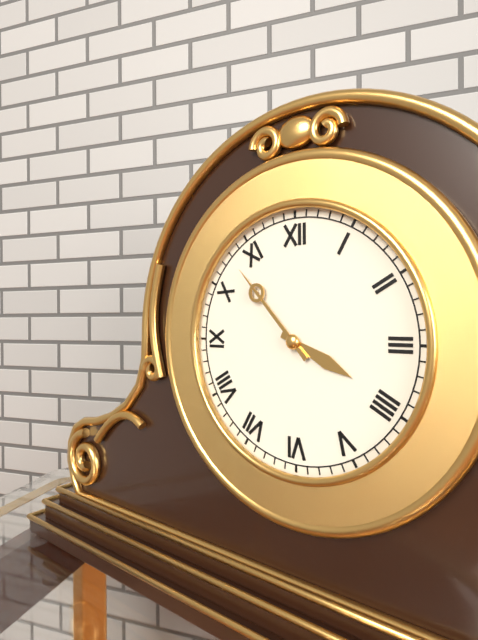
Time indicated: 3:53
